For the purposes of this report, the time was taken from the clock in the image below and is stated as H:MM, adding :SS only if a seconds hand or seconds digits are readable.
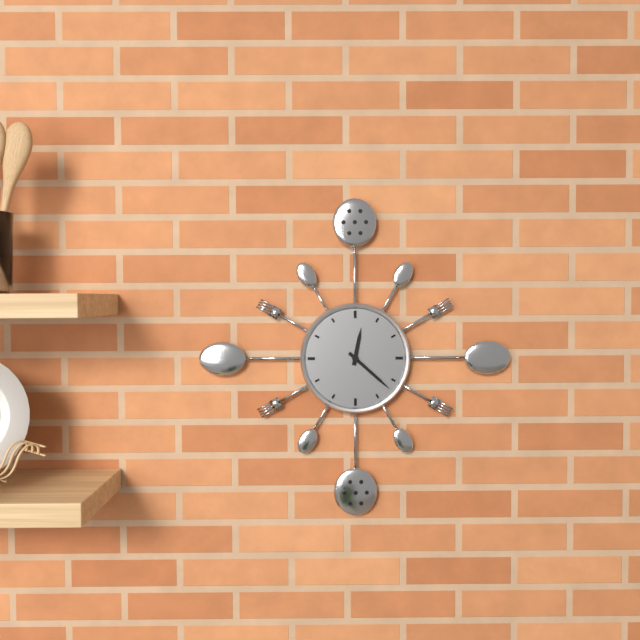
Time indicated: 12:22
